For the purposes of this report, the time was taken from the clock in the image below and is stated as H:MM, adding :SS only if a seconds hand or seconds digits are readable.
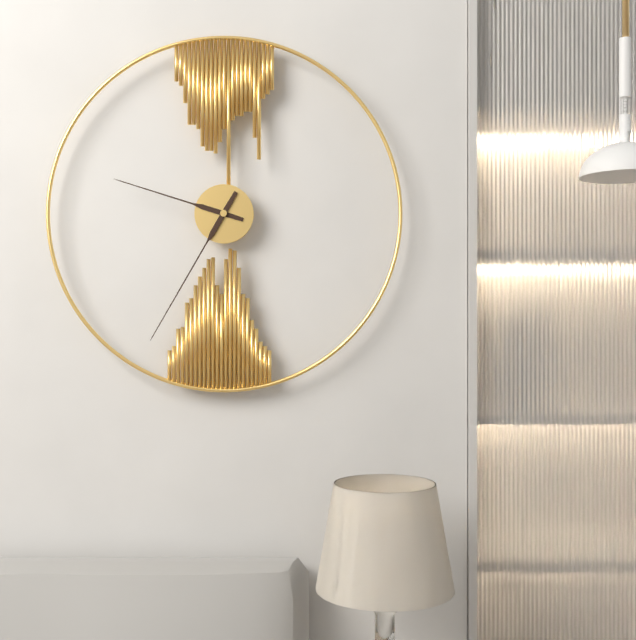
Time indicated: 9:35
